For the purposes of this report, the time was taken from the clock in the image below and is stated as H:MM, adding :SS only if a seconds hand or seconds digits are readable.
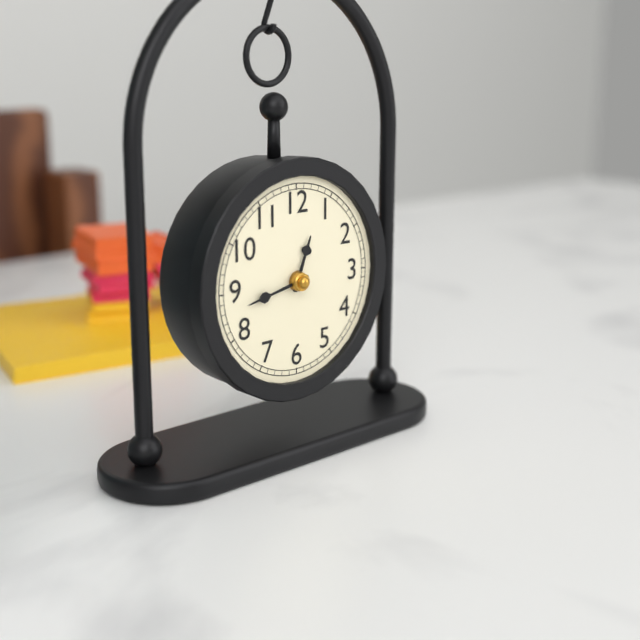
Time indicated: 12:43
